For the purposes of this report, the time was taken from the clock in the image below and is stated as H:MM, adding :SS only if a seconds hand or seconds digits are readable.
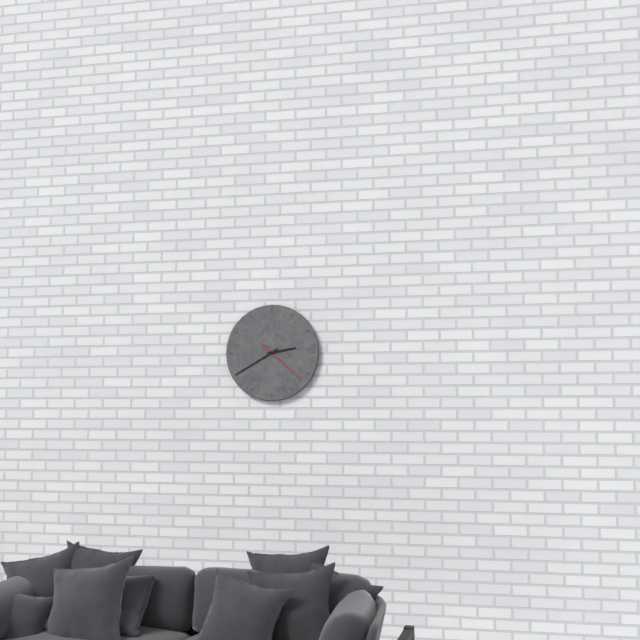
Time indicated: 2:40:22
